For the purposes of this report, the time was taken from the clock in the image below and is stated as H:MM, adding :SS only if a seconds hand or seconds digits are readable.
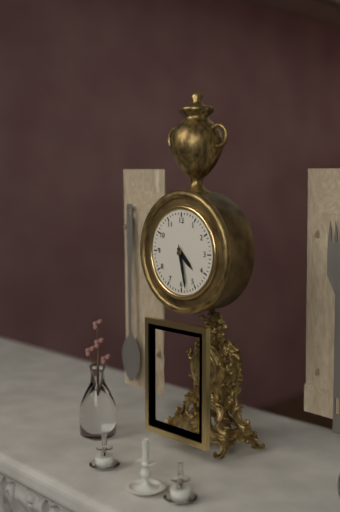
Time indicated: 4:28
